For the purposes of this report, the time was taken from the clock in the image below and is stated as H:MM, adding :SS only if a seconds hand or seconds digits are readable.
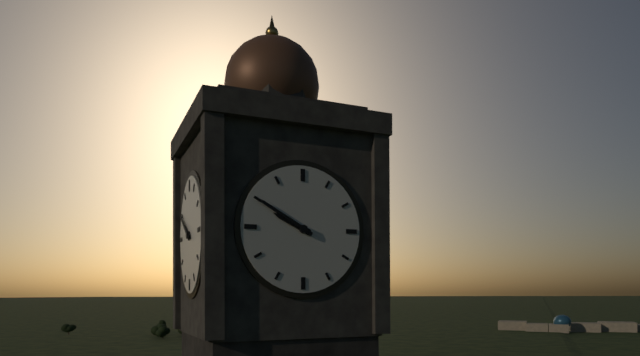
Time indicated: 9:50
